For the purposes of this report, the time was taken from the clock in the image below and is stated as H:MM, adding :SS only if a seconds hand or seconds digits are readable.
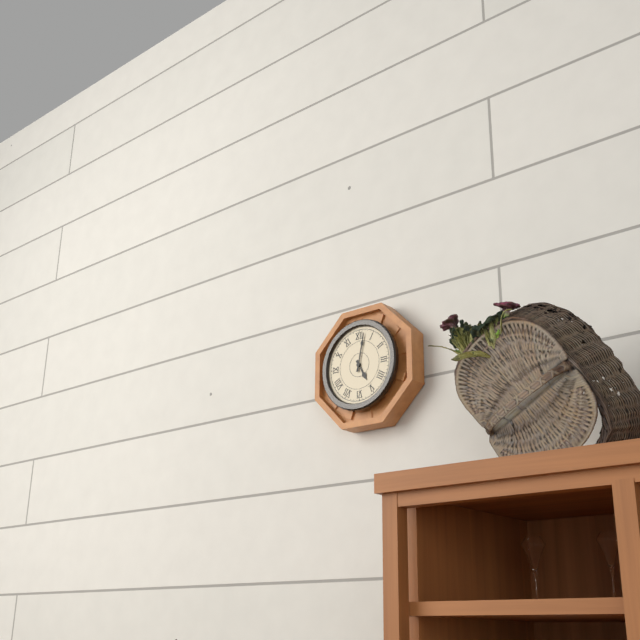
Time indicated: 5:02
